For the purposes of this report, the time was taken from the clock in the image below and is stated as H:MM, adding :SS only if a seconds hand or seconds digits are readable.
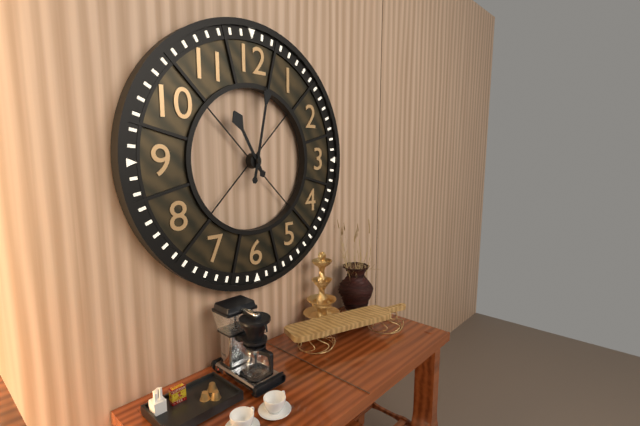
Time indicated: 11:02
